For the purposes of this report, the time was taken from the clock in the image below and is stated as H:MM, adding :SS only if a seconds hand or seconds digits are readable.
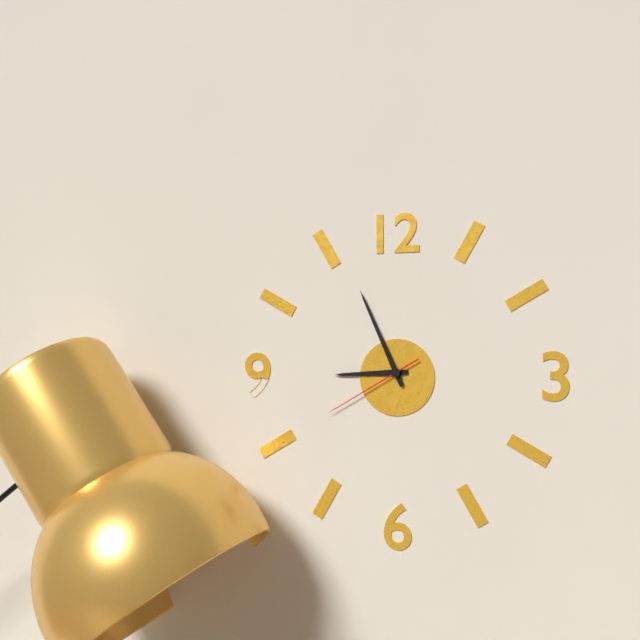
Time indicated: 8:56:40
